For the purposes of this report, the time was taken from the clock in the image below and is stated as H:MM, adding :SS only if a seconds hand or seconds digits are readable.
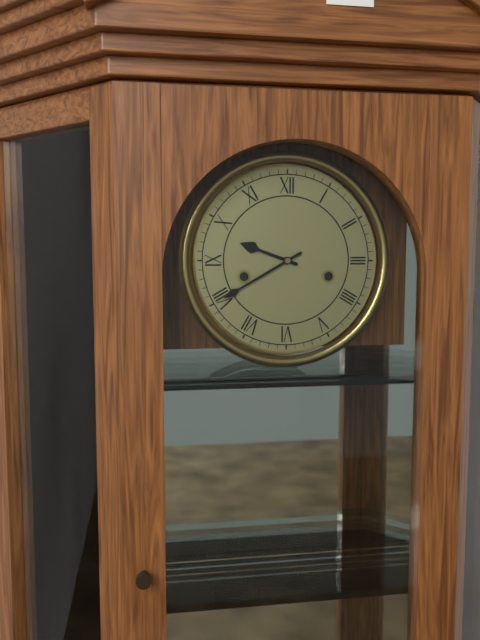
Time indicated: 9:40
